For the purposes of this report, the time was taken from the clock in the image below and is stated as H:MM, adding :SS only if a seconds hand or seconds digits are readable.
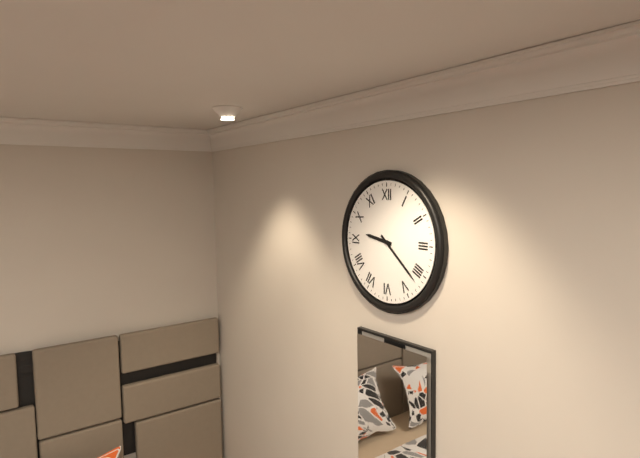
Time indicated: 9:22
